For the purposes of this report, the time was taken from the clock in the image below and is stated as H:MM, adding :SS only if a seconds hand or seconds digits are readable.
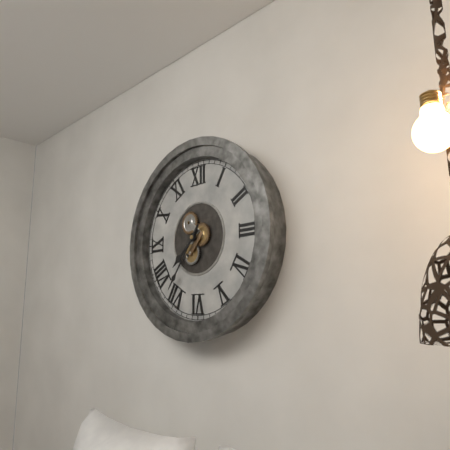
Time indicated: 7:36
